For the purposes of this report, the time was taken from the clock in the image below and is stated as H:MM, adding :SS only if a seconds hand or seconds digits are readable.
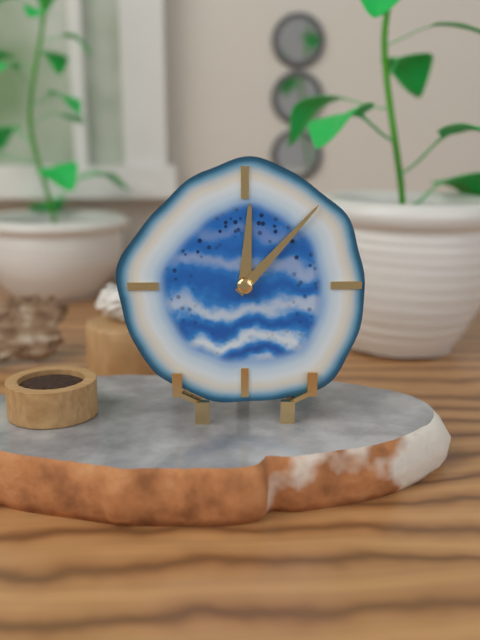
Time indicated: 12:07
